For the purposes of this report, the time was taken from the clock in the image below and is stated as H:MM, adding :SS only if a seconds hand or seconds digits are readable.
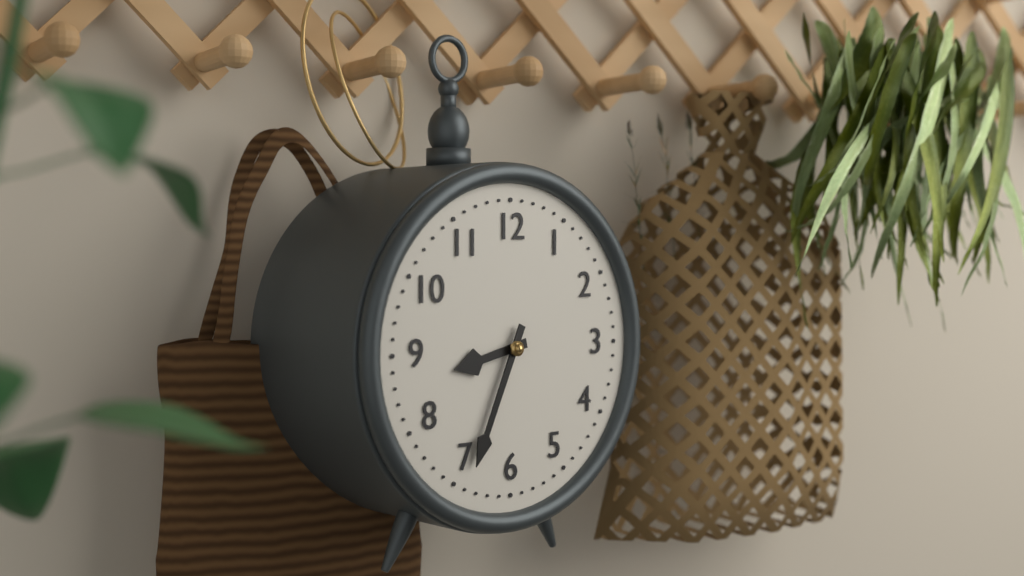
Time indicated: 8:34
